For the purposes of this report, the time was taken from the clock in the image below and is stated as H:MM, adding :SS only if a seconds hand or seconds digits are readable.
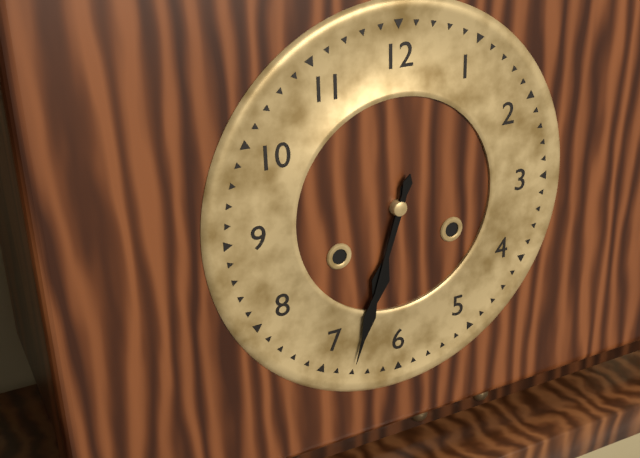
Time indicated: 6:33
